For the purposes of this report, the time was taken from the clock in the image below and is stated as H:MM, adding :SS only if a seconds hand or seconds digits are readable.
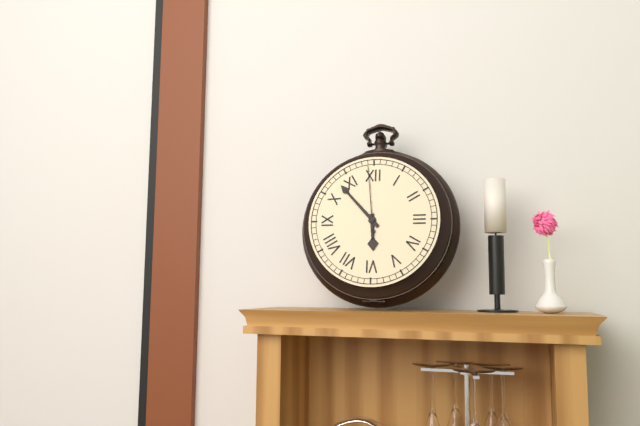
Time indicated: 5:53:59
